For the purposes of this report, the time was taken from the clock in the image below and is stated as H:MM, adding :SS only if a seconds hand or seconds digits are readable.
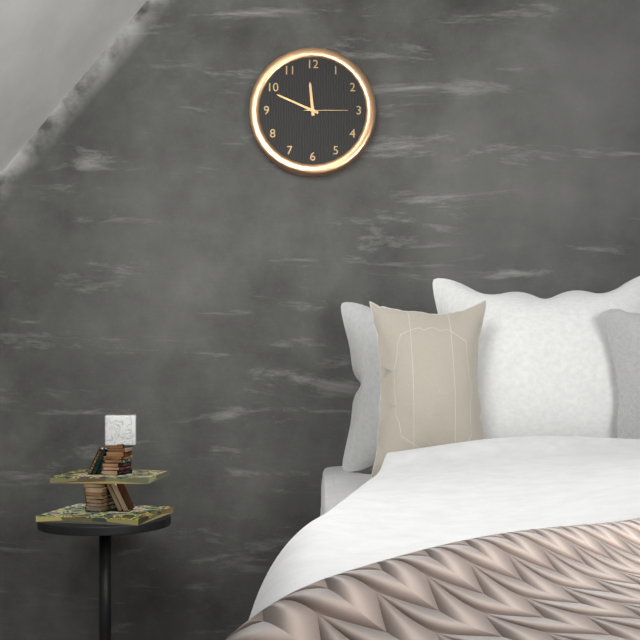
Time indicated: 11:49
